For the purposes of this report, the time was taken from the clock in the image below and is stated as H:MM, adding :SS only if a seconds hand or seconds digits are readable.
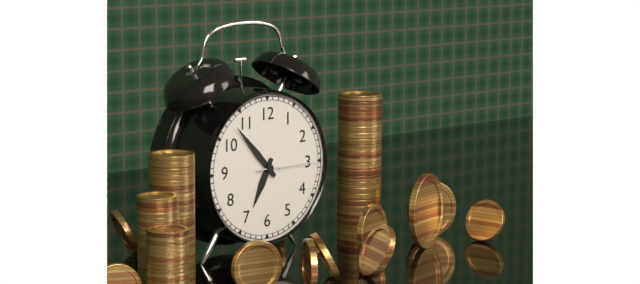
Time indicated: 6:53:15
